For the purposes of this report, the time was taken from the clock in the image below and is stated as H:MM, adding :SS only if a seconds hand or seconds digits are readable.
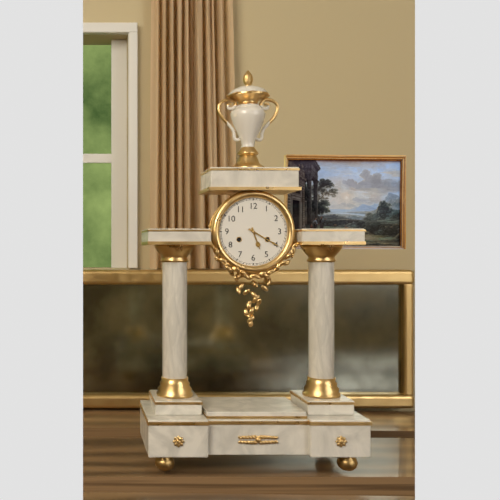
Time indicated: 5:20
